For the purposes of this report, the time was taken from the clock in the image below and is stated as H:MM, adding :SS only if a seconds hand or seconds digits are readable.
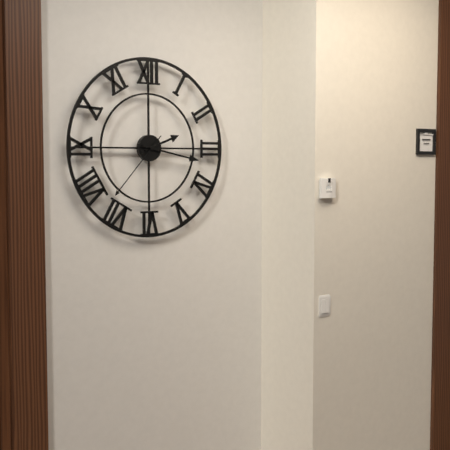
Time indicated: 2:17:37
